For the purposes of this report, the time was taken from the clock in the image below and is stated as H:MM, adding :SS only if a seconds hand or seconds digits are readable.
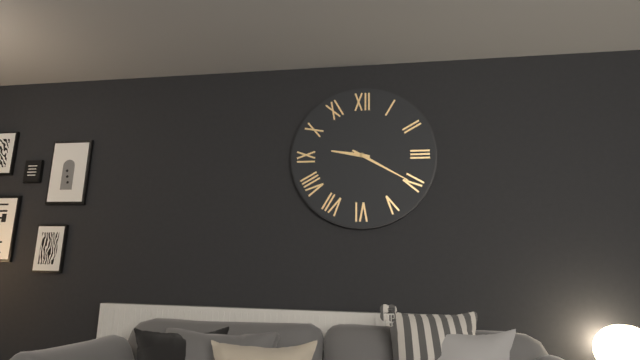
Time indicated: 9:20
